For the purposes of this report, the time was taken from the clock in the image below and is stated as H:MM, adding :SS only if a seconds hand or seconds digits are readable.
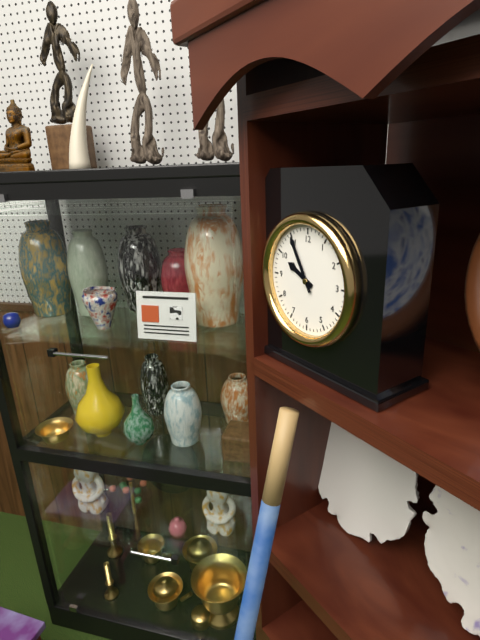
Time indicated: 9:55
